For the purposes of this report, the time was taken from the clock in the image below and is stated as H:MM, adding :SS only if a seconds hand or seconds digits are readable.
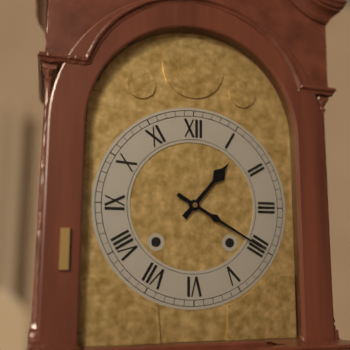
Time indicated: 1:20
